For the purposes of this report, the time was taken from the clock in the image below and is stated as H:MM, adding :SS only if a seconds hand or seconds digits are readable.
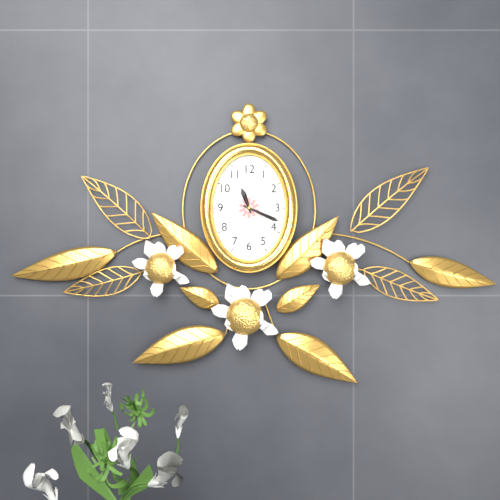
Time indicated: 11:19
